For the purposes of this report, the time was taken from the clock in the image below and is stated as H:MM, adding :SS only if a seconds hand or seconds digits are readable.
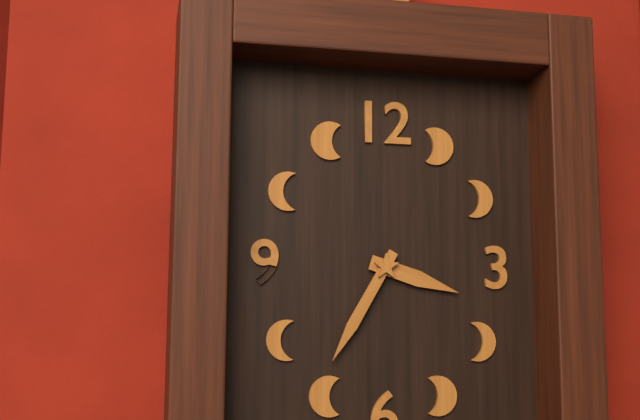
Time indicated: 3:35
